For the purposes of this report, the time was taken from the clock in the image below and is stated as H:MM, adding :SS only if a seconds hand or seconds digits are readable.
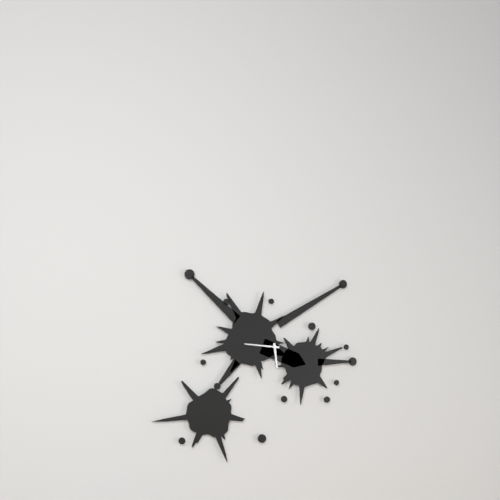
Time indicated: 5:46
